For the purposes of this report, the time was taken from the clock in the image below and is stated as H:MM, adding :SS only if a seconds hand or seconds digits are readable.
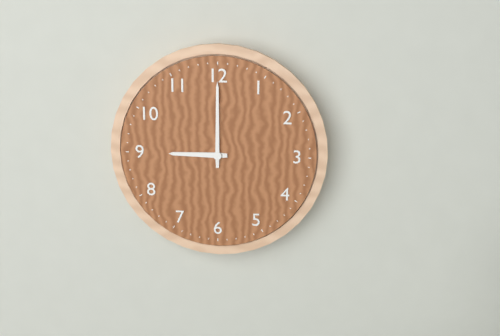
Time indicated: 9:00
